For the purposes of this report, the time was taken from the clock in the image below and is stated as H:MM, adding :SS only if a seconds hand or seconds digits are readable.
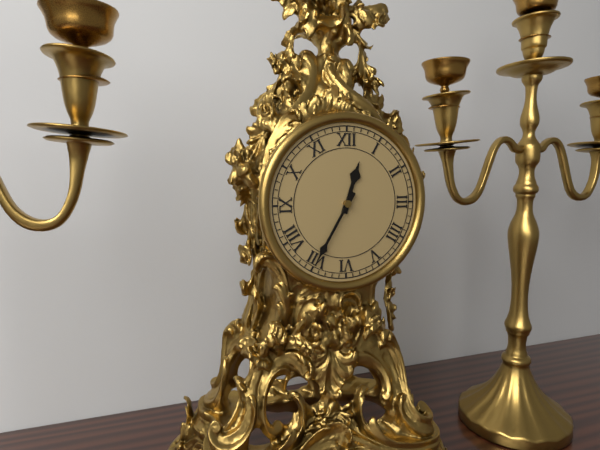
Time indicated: 12:35
